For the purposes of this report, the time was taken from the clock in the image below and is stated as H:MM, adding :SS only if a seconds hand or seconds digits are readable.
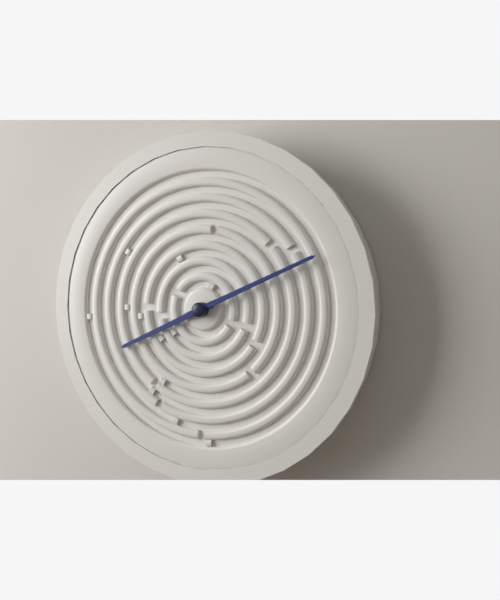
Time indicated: 8:11
